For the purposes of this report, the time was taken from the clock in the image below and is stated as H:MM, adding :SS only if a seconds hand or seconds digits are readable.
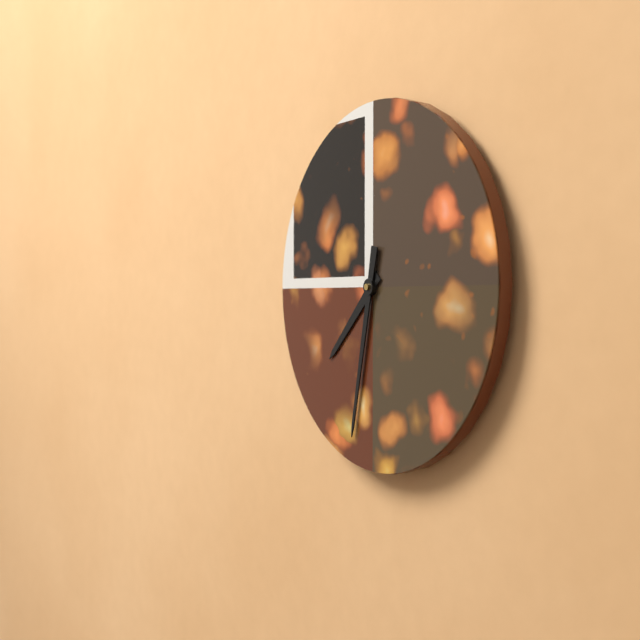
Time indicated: 7:32
